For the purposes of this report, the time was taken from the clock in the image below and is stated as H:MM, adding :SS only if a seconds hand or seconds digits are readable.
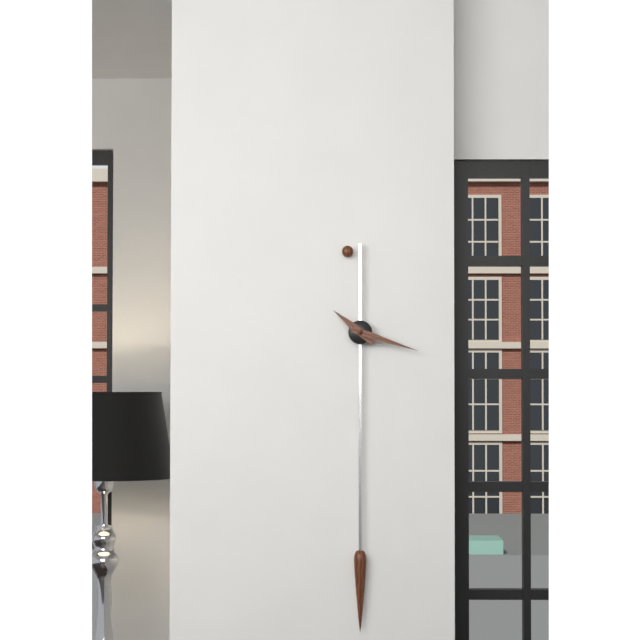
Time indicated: 10:18
